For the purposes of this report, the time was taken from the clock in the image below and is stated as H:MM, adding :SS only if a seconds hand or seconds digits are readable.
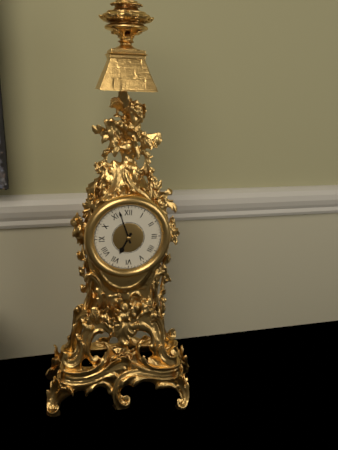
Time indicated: 6:57
